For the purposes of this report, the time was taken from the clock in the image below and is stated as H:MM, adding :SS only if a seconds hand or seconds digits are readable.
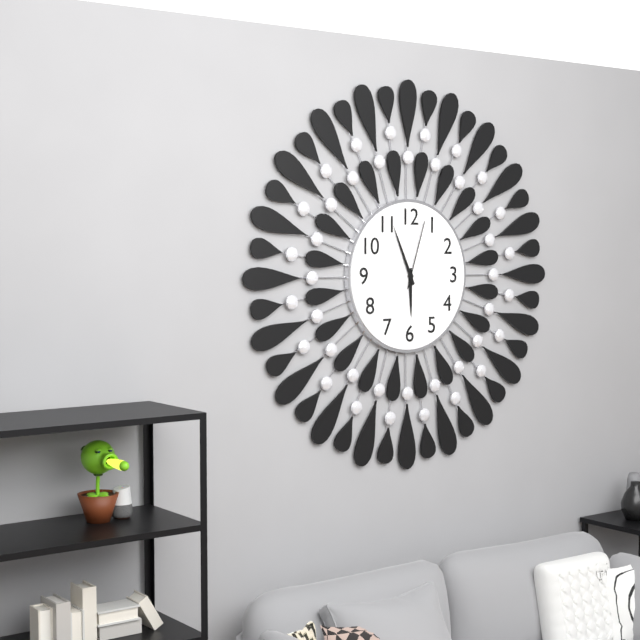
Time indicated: 5:56:03
